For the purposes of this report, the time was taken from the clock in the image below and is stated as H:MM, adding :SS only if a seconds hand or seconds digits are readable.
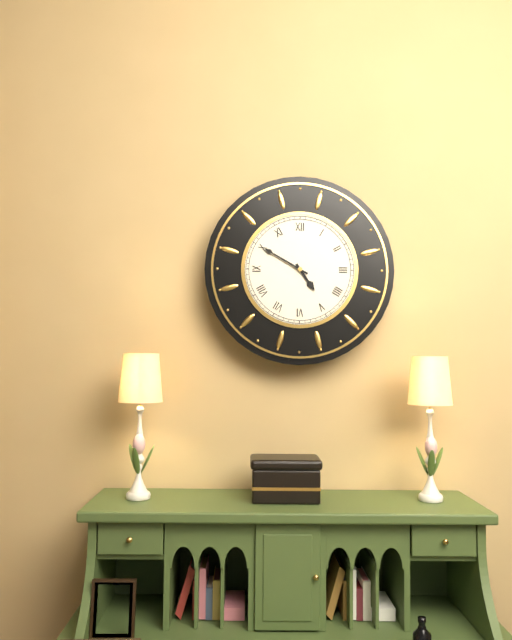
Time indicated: 4:50
